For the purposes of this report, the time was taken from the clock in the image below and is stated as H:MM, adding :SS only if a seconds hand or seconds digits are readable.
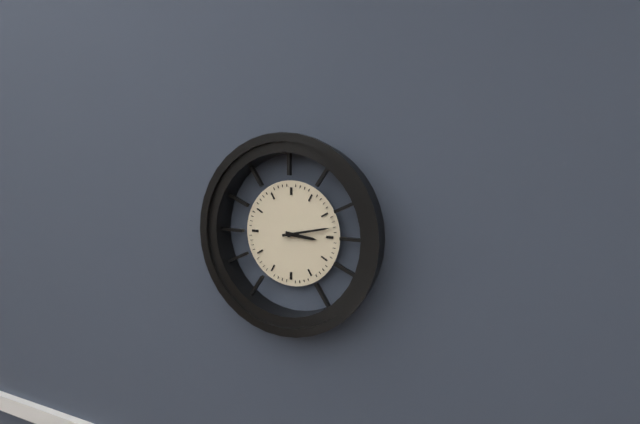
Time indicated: 3:13
